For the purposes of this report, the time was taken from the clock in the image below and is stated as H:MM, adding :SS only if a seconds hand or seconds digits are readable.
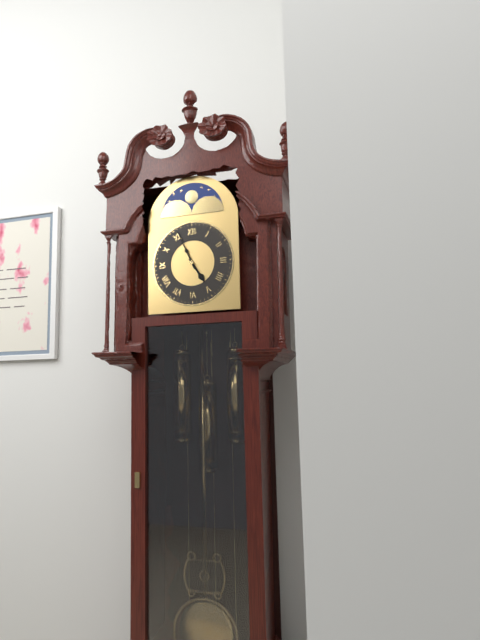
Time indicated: 4:56
